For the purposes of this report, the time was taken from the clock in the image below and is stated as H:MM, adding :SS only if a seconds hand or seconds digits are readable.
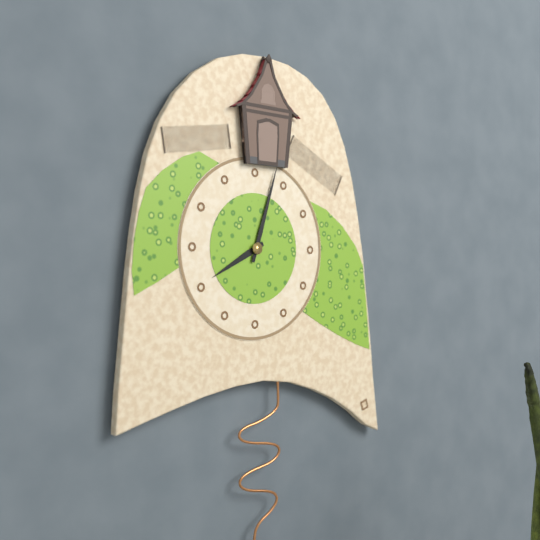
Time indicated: 8:03
